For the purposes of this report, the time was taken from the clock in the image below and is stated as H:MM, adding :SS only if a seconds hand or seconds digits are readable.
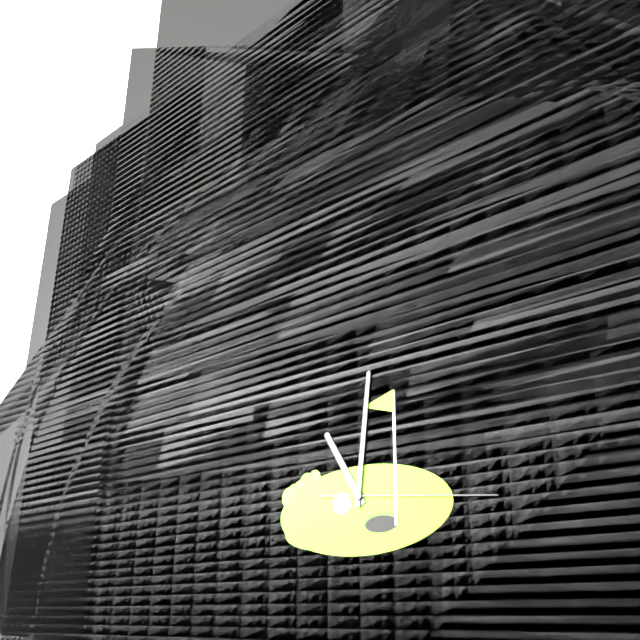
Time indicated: 11:01:16
